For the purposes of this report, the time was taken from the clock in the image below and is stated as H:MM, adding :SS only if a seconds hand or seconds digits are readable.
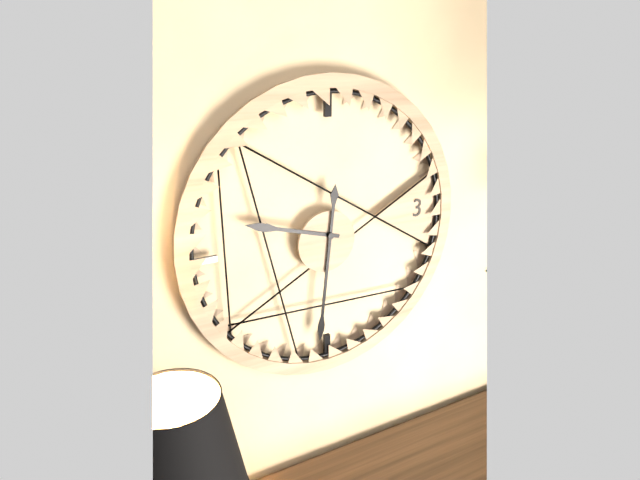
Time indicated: 9:31
